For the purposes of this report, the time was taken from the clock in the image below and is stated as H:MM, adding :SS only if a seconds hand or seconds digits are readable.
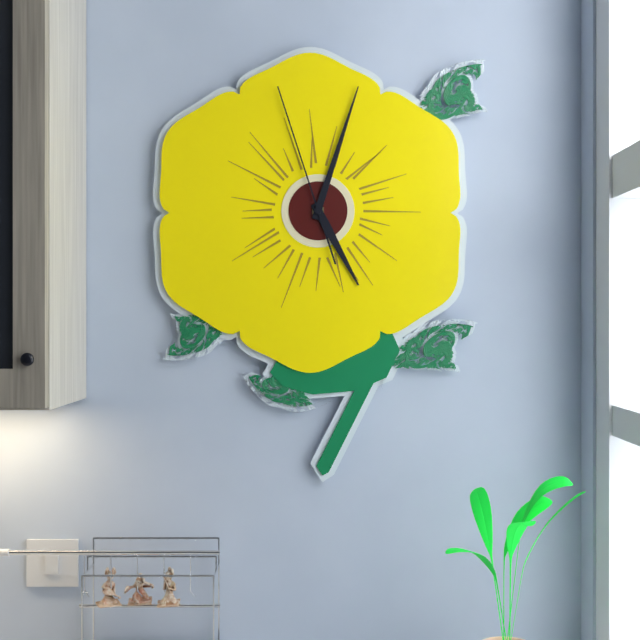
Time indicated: 5:03:57
